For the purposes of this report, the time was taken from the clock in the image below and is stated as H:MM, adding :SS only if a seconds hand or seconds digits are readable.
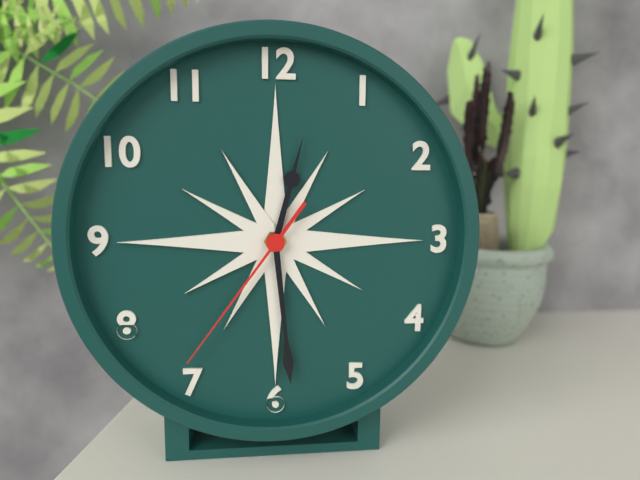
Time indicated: 12:29:36
